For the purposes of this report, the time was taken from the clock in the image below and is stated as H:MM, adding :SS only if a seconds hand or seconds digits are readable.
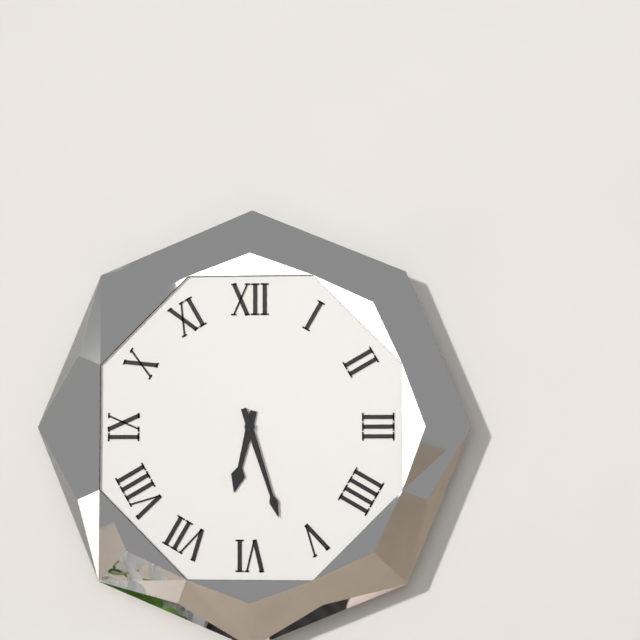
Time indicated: 6:27
